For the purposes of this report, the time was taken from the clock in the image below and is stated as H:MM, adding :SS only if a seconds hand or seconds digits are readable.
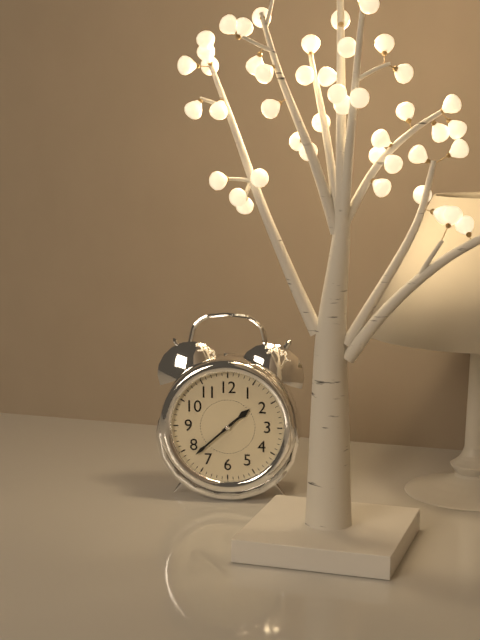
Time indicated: 1:38
